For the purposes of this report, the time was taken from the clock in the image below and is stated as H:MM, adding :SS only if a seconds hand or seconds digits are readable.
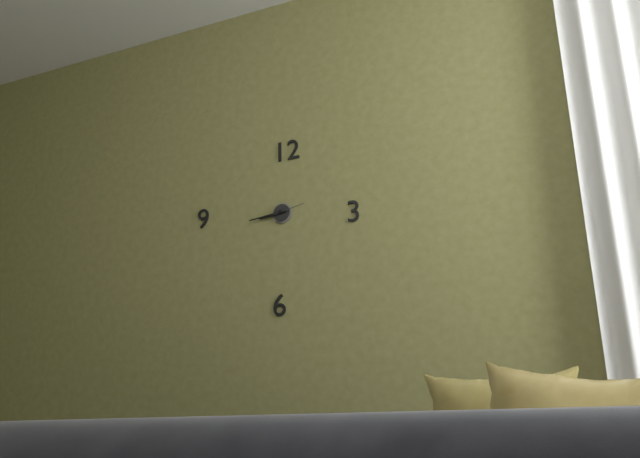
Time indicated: 8:44
